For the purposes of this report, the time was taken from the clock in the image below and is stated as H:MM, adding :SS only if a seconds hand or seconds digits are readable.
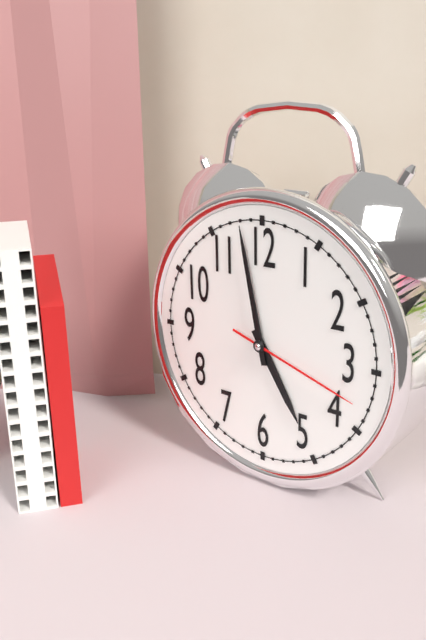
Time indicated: 4:58:18
